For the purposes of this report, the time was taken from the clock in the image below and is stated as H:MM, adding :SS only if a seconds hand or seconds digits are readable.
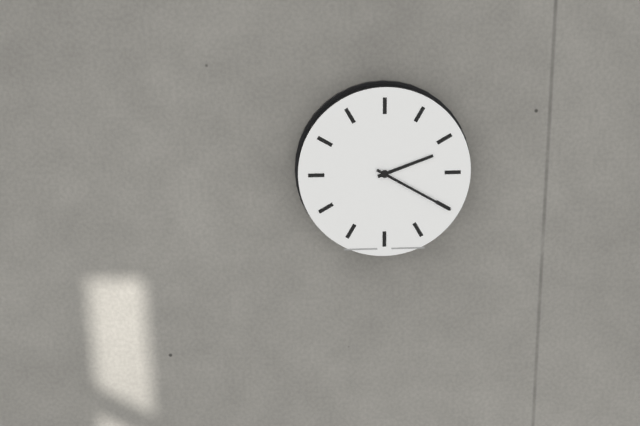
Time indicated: 2:20
